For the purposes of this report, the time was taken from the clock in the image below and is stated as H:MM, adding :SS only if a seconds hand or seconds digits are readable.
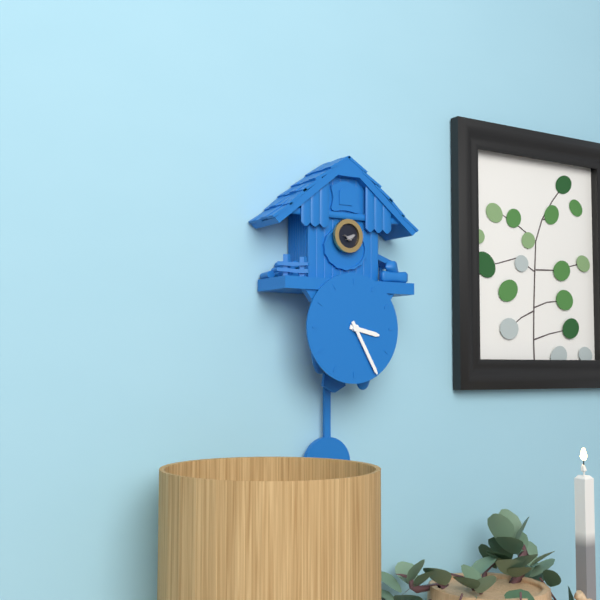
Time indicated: 3:25
